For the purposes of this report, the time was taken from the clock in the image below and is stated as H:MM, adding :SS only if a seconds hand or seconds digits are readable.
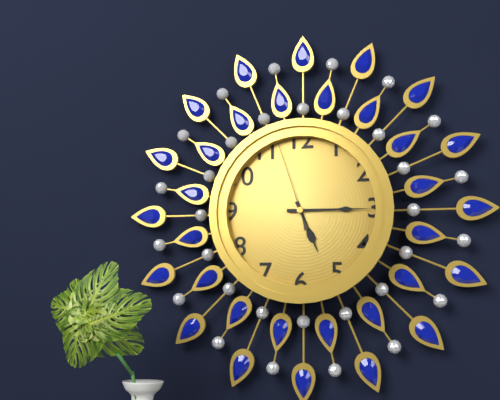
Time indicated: 5:15:57
